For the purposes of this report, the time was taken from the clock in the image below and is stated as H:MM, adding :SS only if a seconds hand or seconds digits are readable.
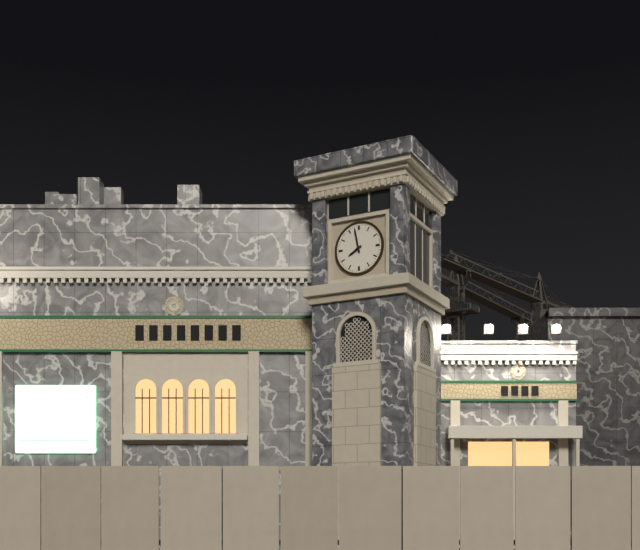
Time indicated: 7:58
